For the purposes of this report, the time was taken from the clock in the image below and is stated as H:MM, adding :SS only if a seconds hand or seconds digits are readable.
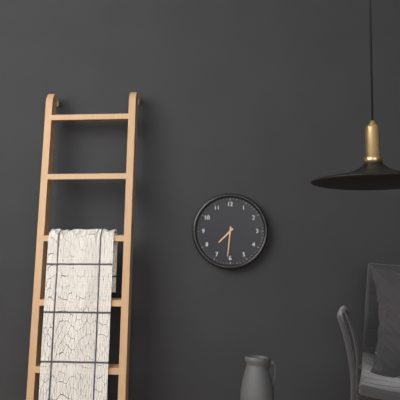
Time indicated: 7:31
